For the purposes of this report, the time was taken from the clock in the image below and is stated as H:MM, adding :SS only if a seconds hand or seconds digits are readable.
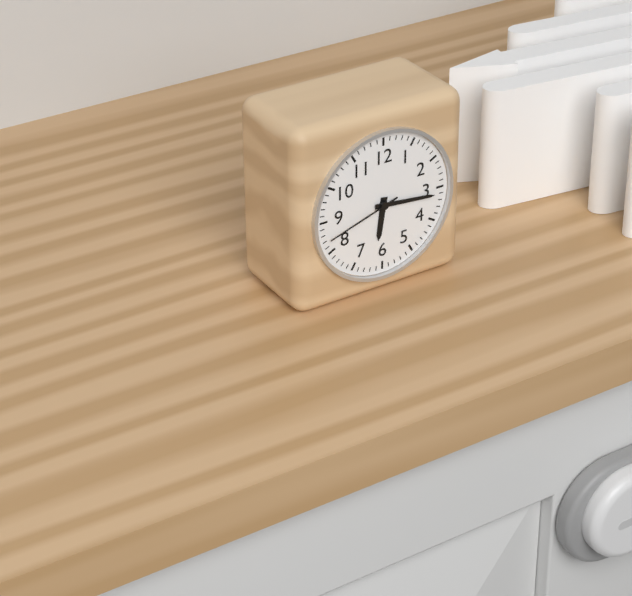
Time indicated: 6:16:42
